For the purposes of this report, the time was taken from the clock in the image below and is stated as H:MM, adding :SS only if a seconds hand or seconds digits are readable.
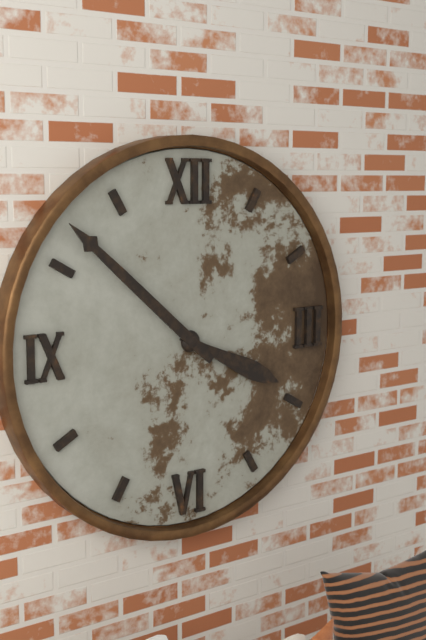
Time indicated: 3:52
